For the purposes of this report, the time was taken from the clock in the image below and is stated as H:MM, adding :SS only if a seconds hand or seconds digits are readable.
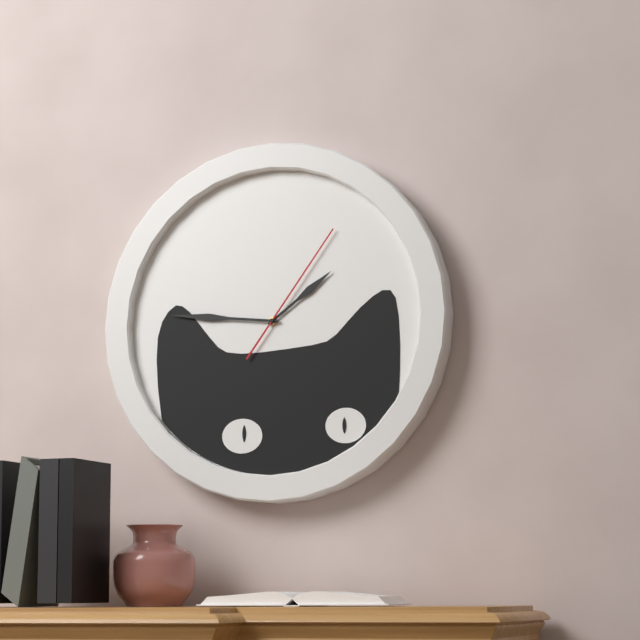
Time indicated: 1:46:06
